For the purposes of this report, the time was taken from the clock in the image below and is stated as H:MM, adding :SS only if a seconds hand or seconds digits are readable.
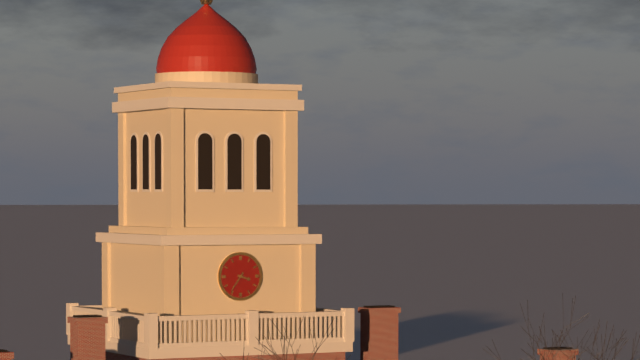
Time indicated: 3:36
